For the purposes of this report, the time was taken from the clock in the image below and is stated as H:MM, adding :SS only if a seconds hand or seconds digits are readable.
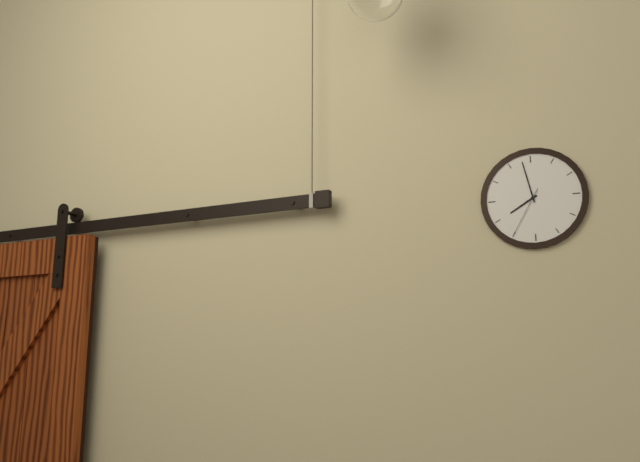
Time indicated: 7:58:35
